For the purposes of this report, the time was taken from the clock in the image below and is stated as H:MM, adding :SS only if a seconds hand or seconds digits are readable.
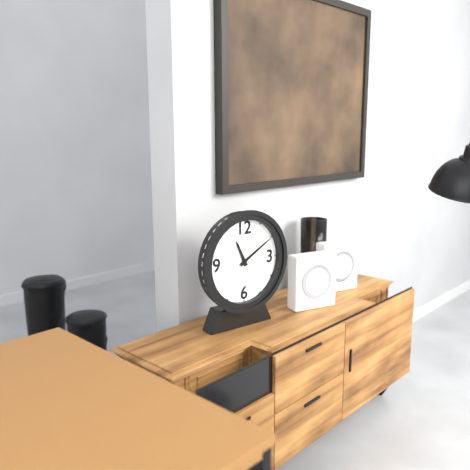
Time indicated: 11:10
